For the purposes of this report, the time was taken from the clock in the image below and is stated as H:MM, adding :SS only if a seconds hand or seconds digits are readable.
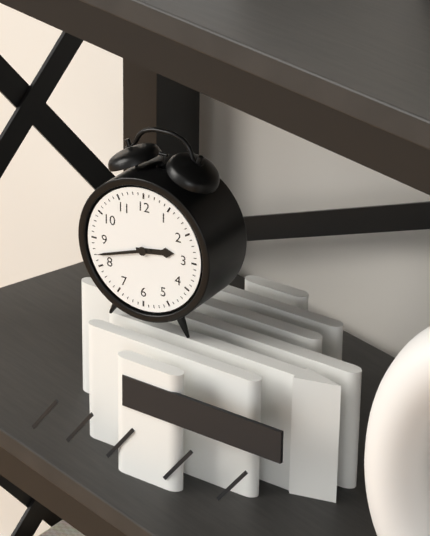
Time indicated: 2:42
